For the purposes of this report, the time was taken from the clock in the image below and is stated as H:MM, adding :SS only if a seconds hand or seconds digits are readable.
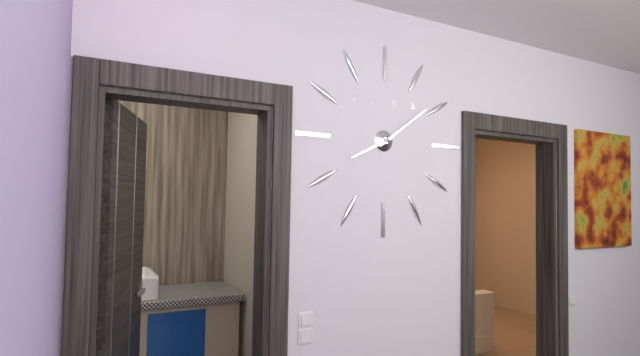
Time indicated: 8:09
